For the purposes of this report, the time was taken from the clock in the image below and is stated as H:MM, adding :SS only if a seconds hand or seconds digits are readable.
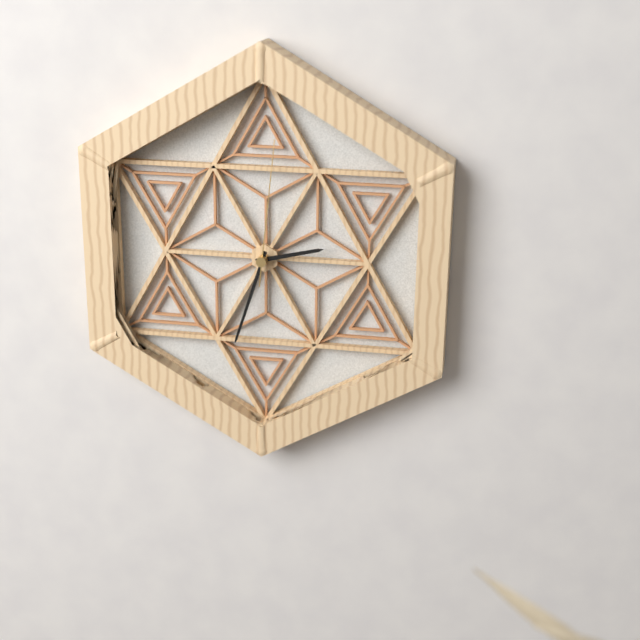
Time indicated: 2:33:01
